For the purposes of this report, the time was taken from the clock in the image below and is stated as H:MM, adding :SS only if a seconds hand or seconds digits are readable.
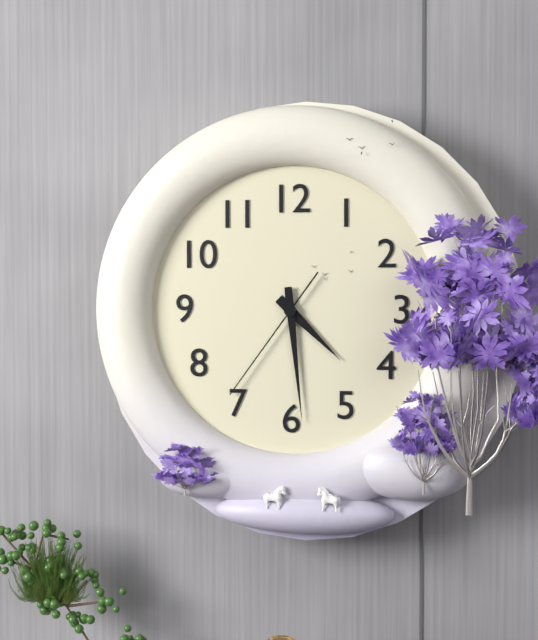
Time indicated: 4:29:36
